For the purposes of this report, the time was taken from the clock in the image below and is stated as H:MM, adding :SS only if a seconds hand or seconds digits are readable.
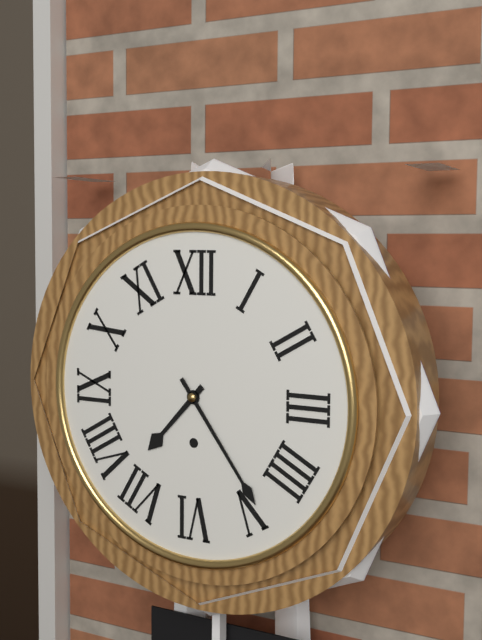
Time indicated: 7:24
